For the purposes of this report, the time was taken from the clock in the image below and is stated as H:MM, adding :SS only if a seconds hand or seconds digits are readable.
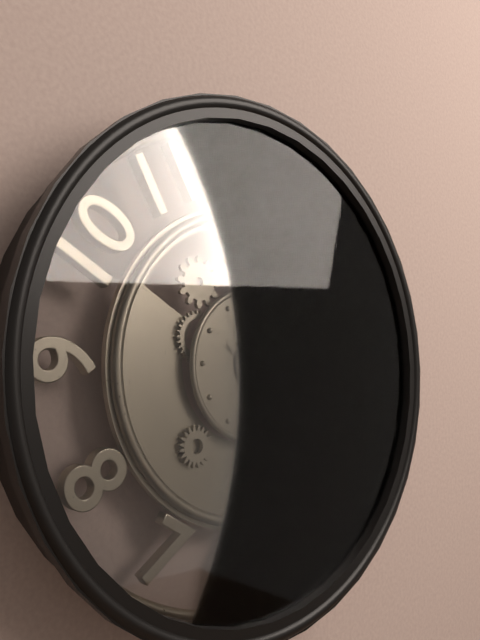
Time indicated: 1:00:21
